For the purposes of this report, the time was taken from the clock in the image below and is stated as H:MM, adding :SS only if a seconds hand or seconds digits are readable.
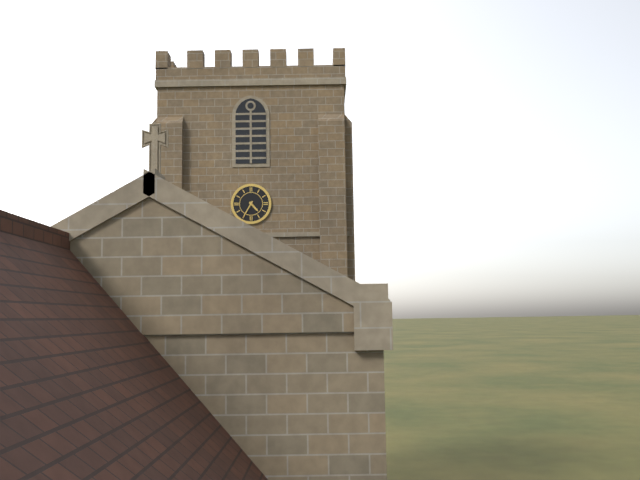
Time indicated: 4:35
